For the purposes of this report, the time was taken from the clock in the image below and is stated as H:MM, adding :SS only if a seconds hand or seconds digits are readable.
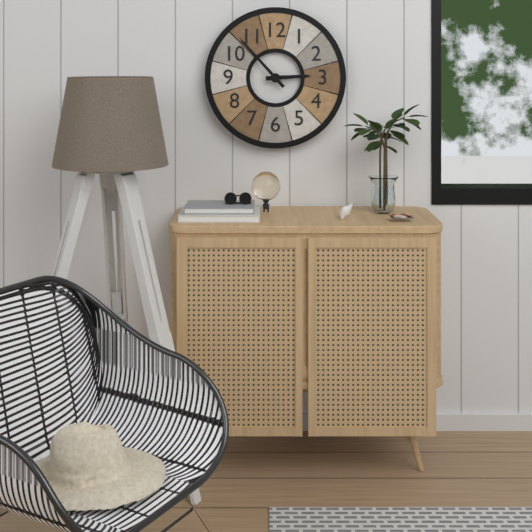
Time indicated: 2:53
